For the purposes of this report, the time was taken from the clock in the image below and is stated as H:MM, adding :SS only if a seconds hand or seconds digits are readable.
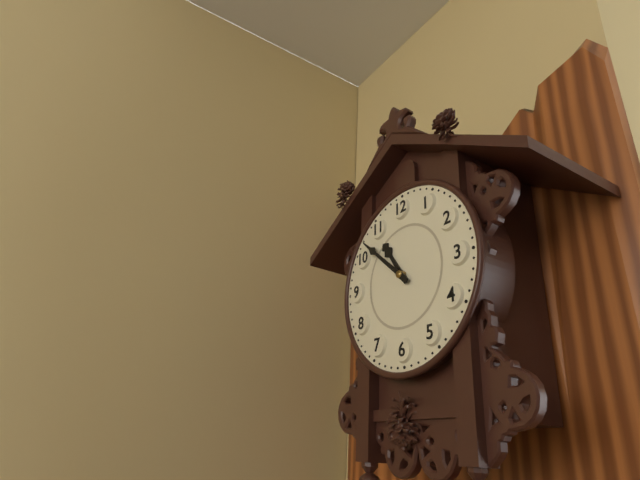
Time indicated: 10:52
